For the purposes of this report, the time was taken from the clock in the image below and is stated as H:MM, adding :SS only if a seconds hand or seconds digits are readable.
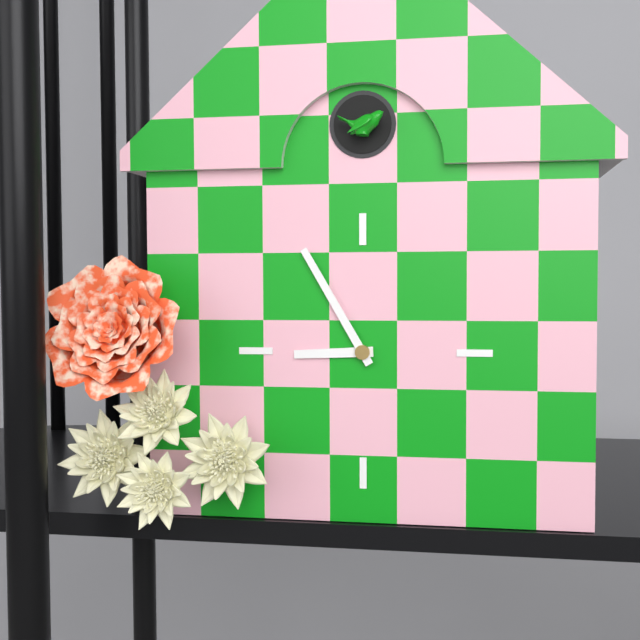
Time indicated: 8:55
